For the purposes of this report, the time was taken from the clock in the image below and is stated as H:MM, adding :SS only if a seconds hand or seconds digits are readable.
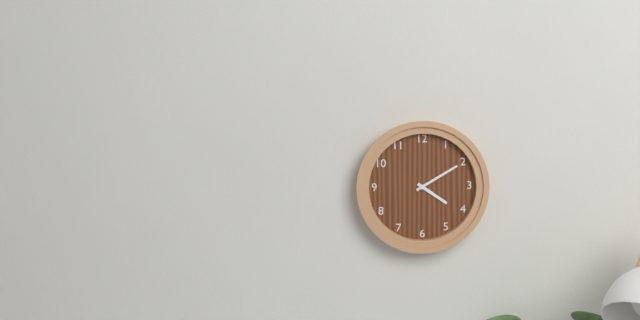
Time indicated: 4:10
